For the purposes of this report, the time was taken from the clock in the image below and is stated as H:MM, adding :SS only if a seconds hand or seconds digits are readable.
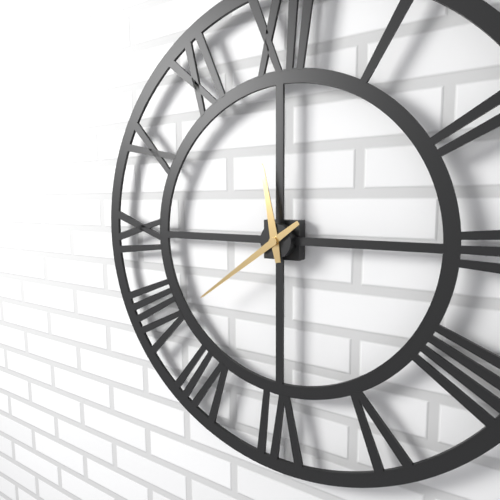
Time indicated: 11:39
